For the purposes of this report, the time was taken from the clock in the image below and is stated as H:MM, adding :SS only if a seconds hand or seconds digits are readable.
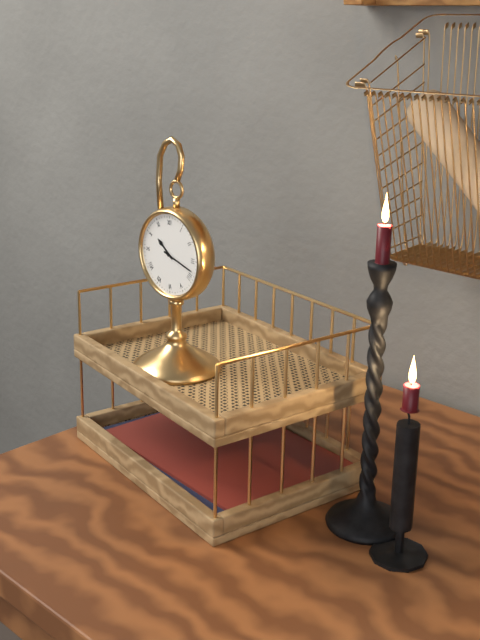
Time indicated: 10:18
